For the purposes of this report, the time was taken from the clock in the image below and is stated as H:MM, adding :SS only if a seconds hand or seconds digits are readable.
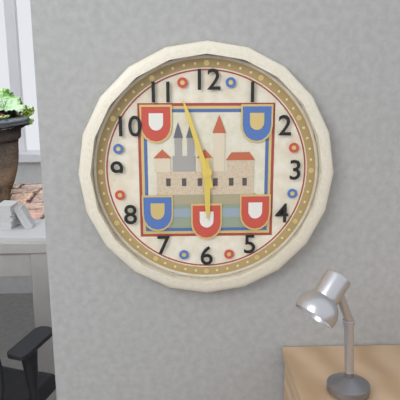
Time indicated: 5:57
